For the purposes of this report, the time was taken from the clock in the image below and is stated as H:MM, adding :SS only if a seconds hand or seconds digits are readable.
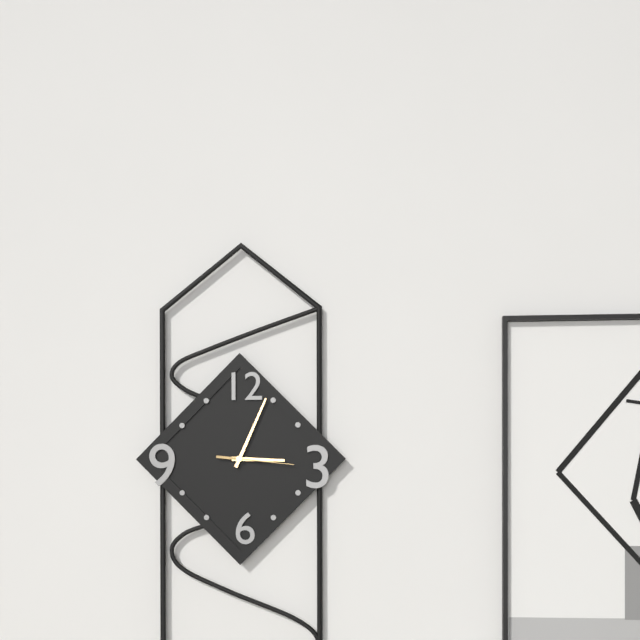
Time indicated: 3:04:16
